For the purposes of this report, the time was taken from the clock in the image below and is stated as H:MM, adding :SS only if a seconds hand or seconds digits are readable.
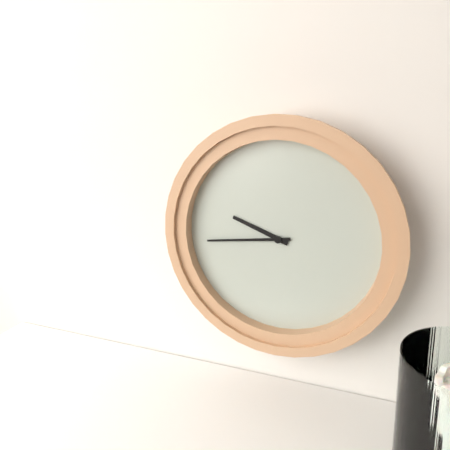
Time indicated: 9:44
